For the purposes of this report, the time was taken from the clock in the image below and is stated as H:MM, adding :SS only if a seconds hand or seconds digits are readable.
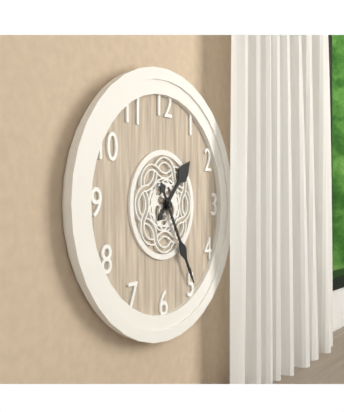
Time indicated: 1:25
